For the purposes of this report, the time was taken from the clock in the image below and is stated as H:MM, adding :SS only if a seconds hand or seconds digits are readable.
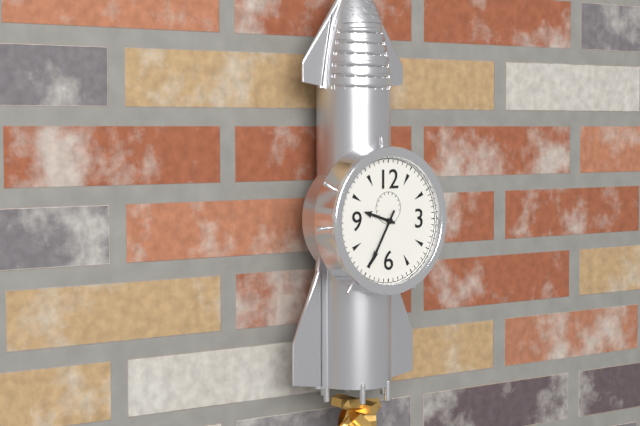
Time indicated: 9:35
